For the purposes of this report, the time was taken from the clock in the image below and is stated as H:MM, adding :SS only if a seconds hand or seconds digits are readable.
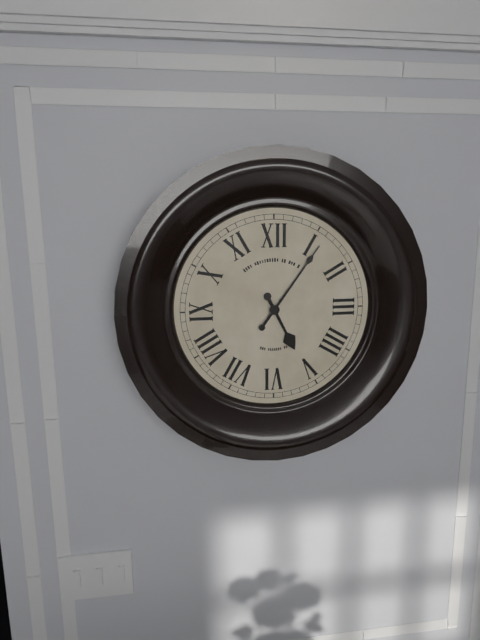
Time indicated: 5:06
